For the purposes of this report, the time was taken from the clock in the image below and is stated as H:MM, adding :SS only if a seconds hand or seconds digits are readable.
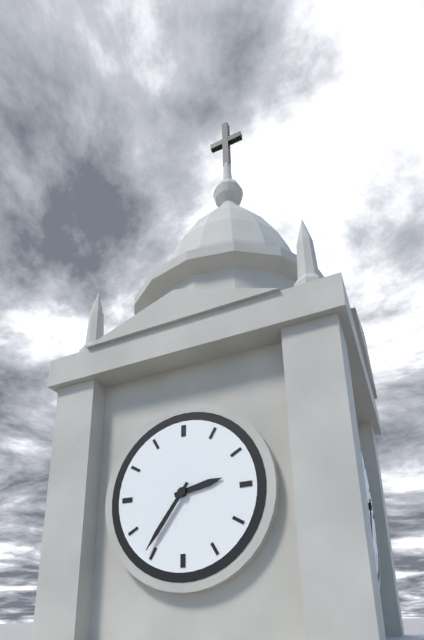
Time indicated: 2:36
